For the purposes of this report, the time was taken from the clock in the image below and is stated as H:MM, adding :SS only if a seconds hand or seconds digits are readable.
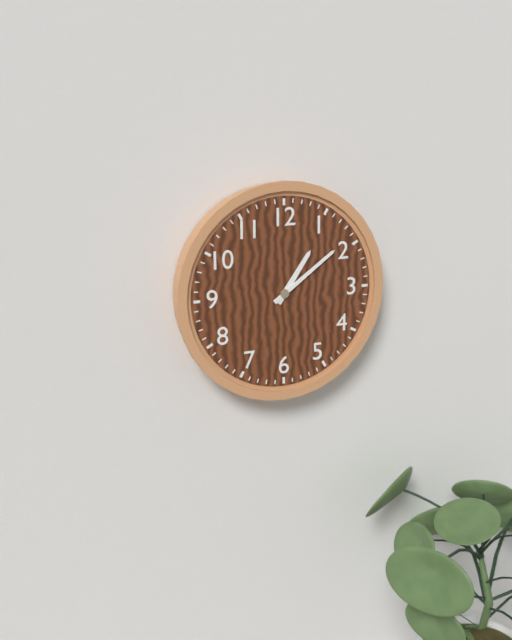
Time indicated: 1:09
